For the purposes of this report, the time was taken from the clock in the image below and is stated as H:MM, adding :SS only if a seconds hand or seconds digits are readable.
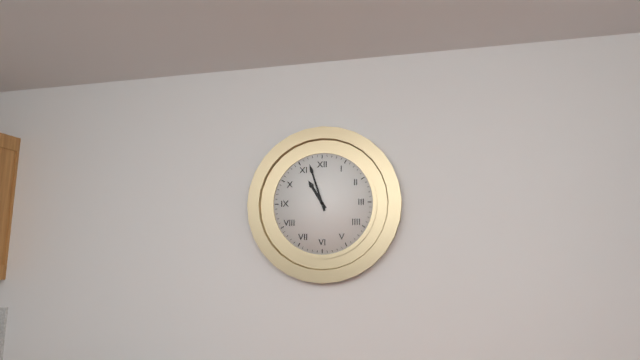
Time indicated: 10:57
